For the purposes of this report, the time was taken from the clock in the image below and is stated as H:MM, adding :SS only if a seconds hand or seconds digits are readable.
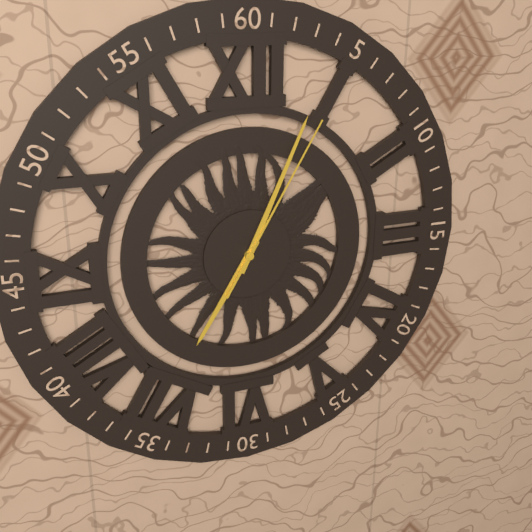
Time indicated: 7:04:05
